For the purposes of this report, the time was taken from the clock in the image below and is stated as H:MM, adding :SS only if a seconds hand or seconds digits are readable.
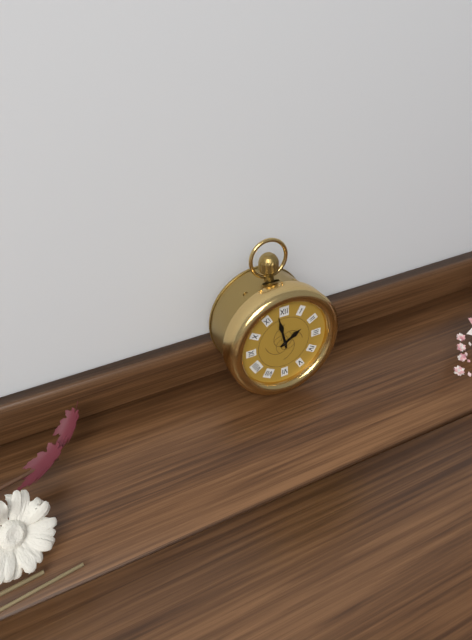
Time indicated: 1:58
